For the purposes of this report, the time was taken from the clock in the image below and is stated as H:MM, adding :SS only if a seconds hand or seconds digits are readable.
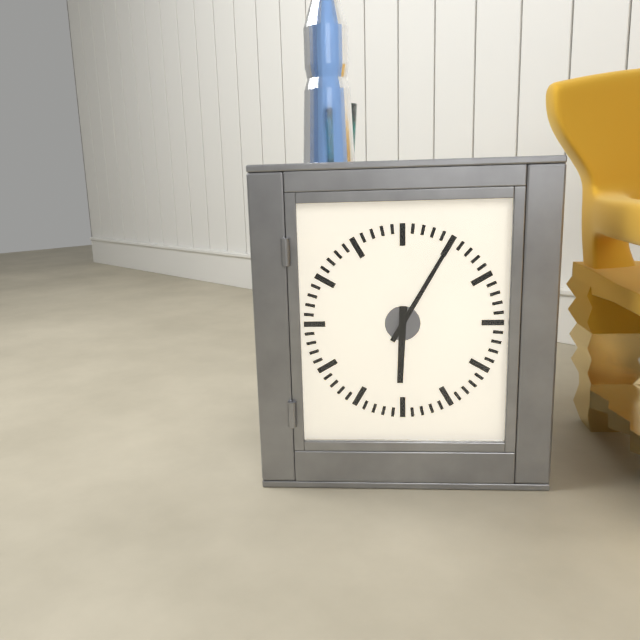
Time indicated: 6:05
